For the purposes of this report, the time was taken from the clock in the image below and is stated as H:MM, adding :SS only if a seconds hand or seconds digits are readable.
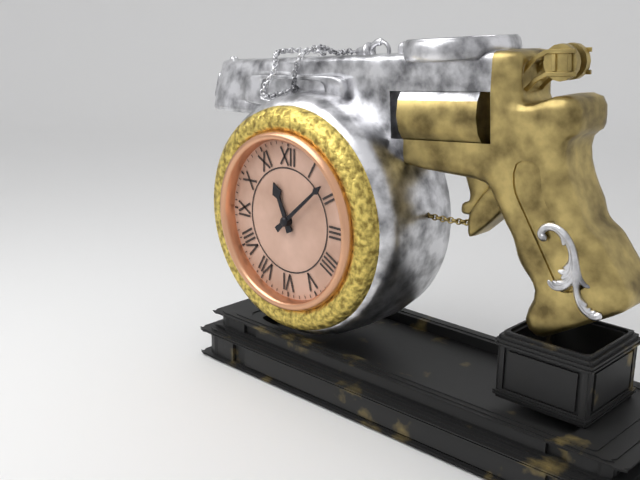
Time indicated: 11:08
